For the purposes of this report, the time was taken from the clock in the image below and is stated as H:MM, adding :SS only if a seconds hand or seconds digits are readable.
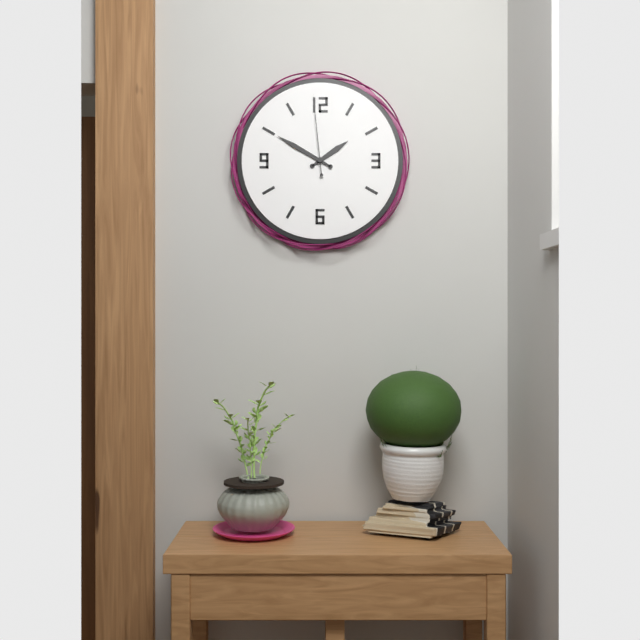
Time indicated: 1:50:59
